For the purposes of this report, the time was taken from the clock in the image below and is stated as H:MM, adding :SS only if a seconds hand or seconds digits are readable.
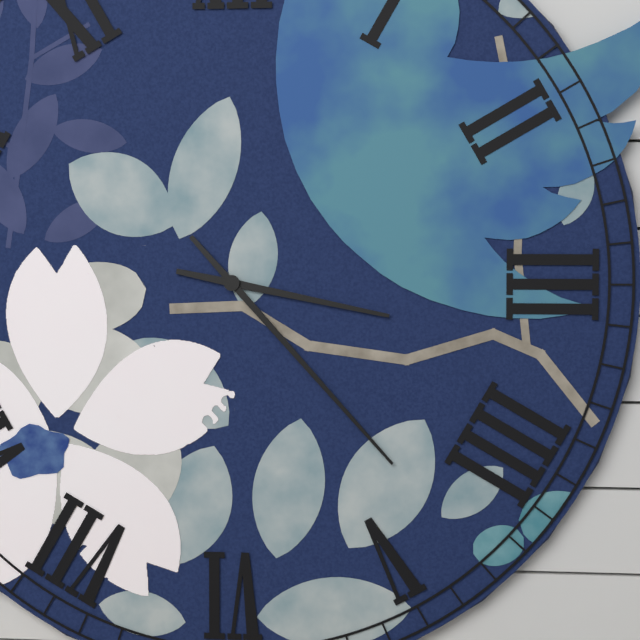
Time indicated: 3:23
